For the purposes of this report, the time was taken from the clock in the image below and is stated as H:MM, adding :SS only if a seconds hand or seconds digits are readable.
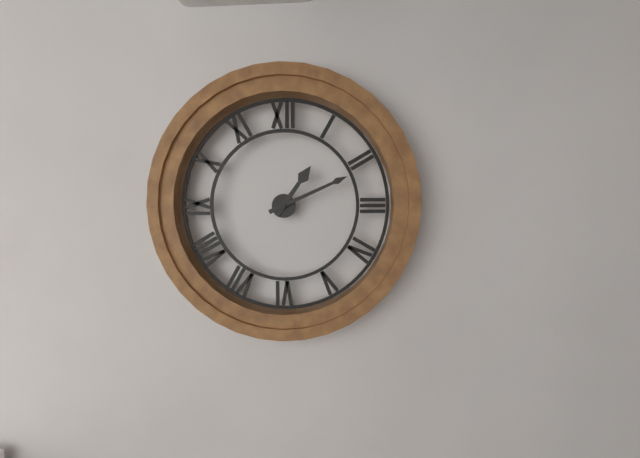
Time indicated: 1:11
